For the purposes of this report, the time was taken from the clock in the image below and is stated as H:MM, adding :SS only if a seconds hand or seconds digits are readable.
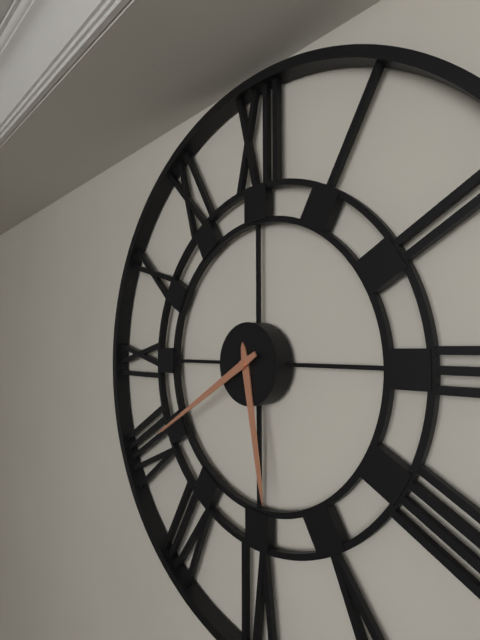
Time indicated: 5:40
